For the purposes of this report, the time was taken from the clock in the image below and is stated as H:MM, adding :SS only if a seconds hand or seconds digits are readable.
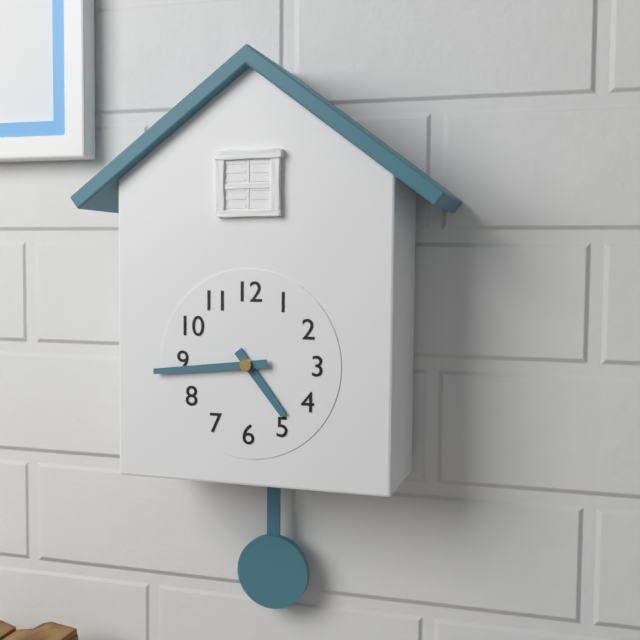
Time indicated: 4:44
